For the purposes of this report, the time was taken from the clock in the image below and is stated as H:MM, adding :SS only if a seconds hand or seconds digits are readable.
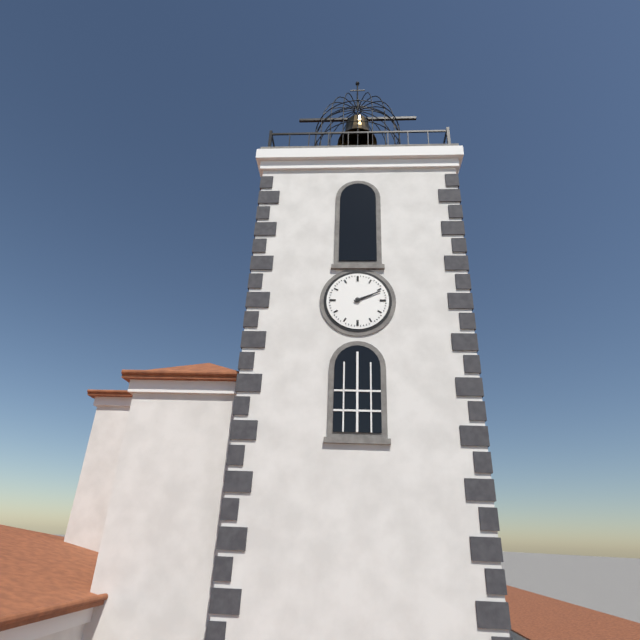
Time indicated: 2:11
